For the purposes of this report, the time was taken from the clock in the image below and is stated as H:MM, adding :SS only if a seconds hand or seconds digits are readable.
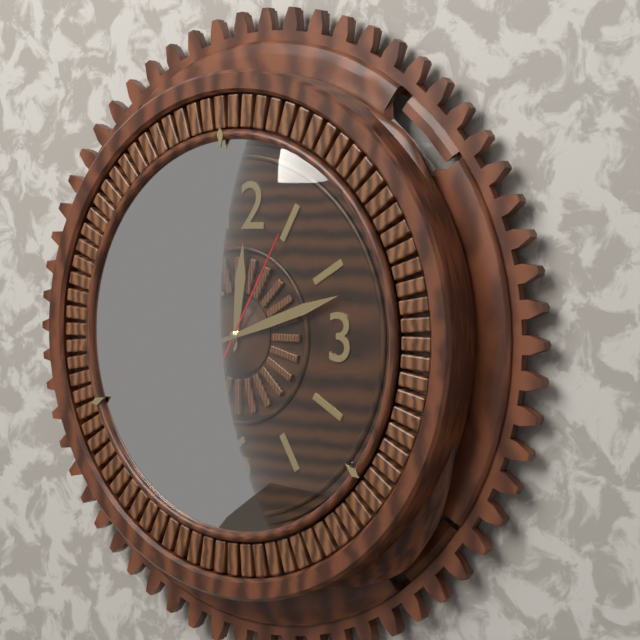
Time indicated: 12:12:05
